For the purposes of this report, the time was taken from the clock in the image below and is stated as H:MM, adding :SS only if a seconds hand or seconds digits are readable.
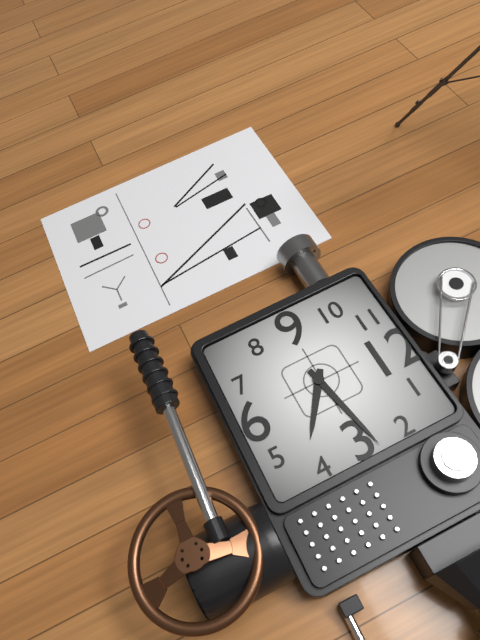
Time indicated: 4:13
